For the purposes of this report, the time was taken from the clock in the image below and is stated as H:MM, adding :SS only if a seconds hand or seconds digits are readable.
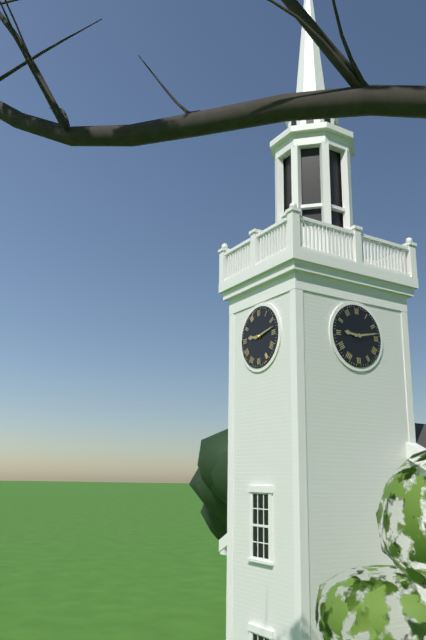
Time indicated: 9:13
